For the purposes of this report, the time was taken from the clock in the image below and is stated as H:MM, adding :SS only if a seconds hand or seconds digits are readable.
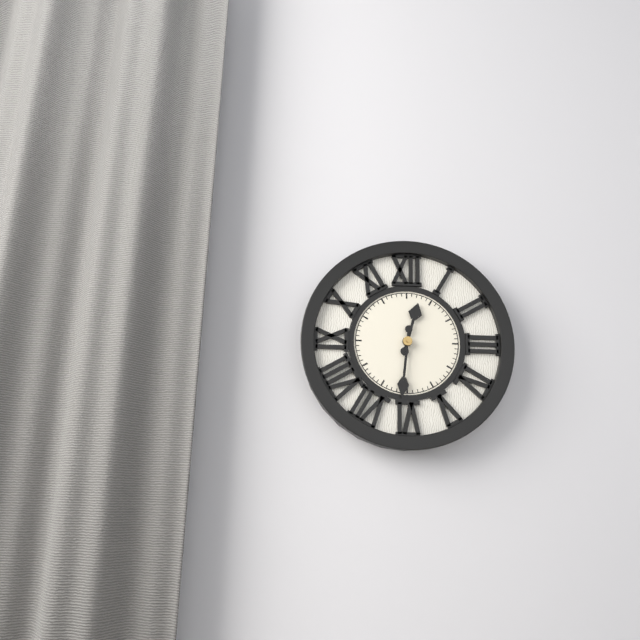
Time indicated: 12:31
